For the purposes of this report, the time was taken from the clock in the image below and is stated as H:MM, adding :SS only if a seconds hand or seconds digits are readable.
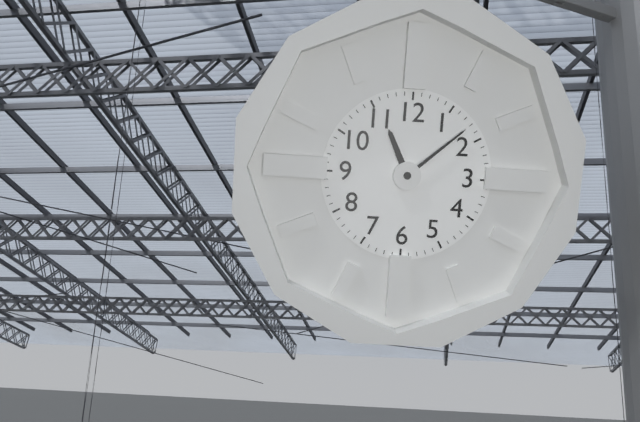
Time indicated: 11:08
